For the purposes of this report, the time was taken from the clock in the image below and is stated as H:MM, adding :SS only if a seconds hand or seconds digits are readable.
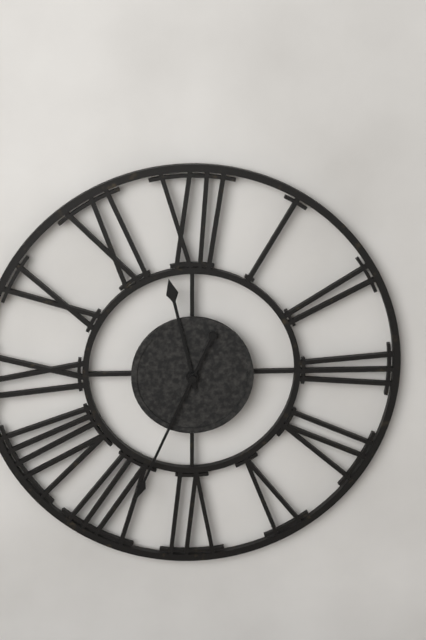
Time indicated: 11:34
